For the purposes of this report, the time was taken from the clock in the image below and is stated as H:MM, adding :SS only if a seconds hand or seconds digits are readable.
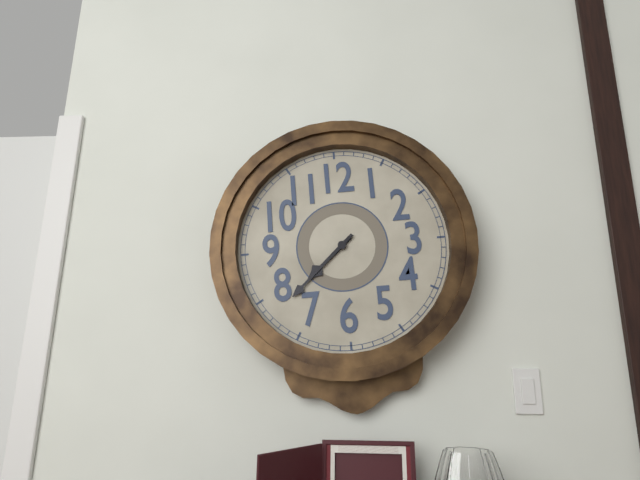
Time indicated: 7:38
